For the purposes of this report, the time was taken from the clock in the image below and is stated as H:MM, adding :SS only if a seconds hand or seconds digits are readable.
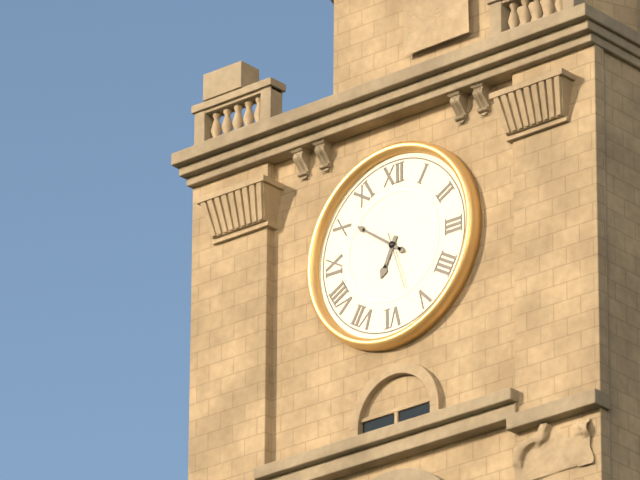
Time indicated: 6:51:27
